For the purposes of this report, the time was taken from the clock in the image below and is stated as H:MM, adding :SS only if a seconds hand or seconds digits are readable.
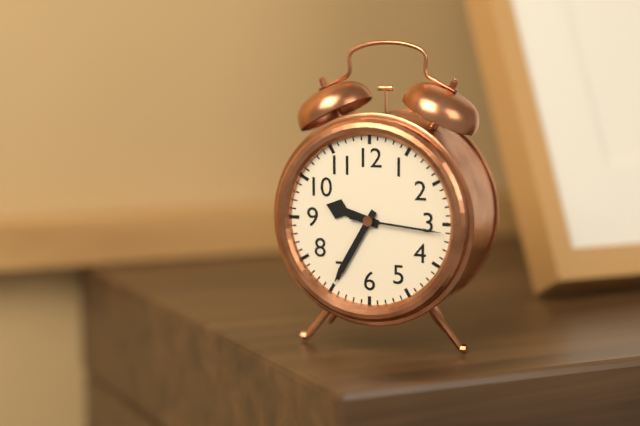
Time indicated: 9:35:16
